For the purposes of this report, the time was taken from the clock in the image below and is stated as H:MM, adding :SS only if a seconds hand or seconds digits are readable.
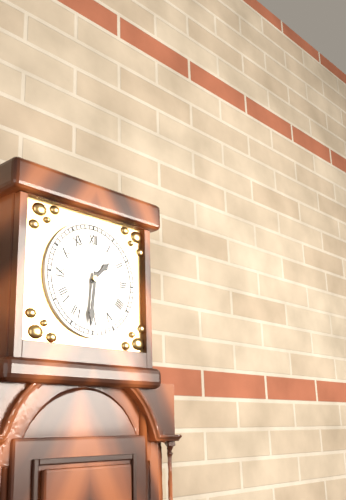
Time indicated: 1:31
